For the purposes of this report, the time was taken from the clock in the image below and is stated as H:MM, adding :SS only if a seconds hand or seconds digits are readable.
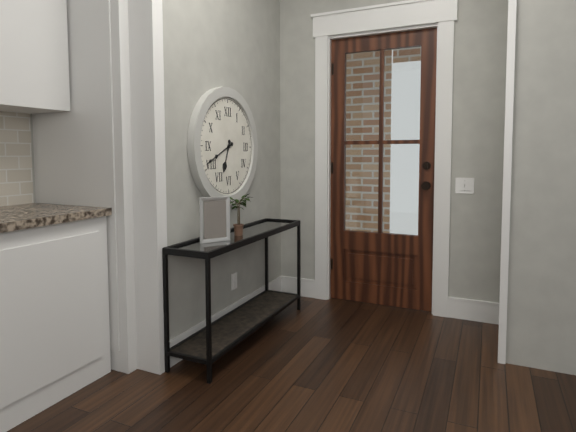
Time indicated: 6:41
